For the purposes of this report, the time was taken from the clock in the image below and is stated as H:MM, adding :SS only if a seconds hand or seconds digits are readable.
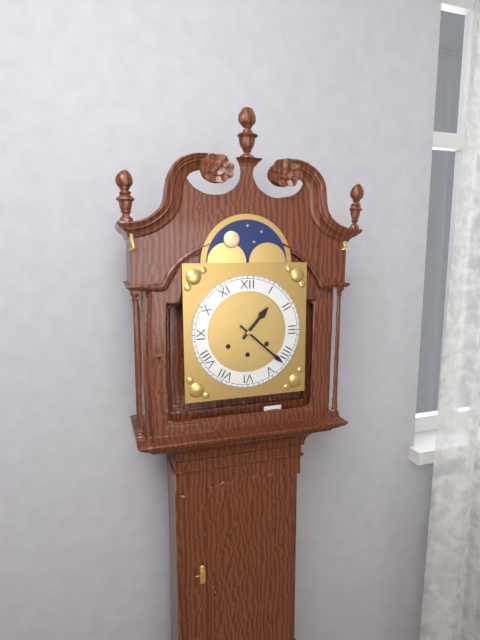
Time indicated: 1:22
